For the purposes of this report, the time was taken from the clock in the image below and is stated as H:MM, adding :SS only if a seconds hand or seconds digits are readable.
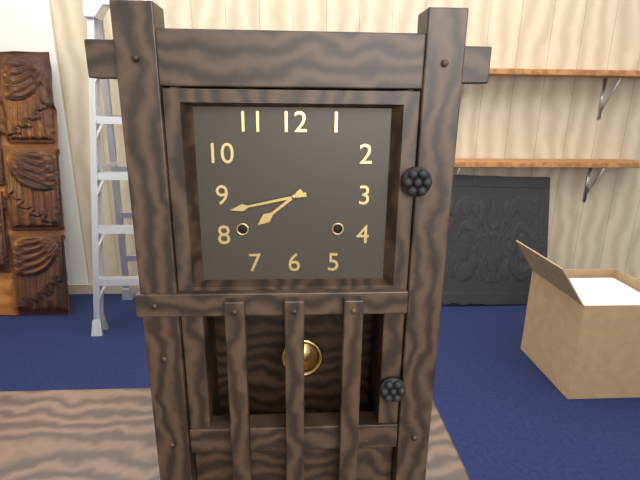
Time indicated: 7:43
